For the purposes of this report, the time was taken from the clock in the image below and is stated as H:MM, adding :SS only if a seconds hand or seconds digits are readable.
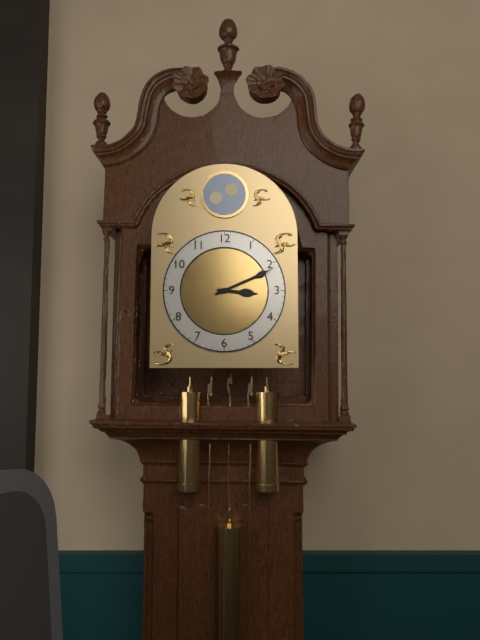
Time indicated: 3:11
